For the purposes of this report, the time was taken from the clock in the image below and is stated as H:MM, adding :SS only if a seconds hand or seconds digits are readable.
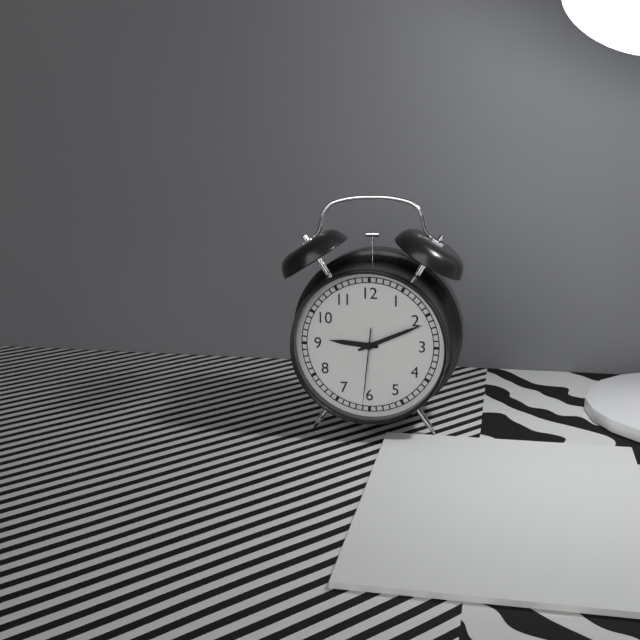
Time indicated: 9:11:31
